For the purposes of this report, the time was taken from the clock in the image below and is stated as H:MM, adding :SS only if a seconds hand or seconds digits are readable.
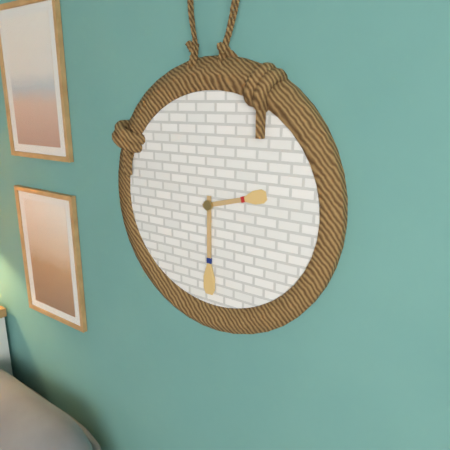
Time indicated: 2:30
